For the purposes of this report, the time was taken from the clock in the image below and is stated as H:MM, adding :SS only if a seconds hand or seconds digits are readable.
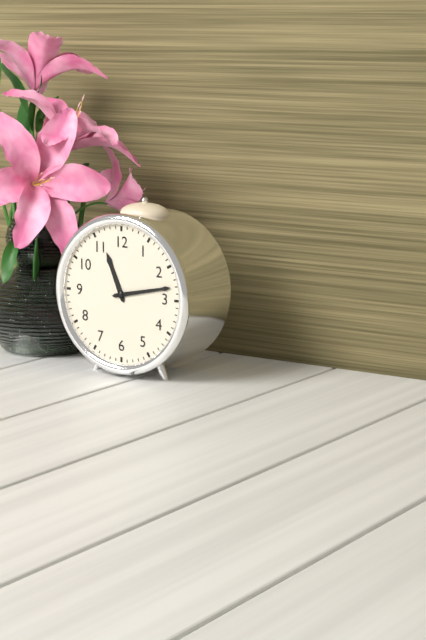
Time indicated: 11:13
